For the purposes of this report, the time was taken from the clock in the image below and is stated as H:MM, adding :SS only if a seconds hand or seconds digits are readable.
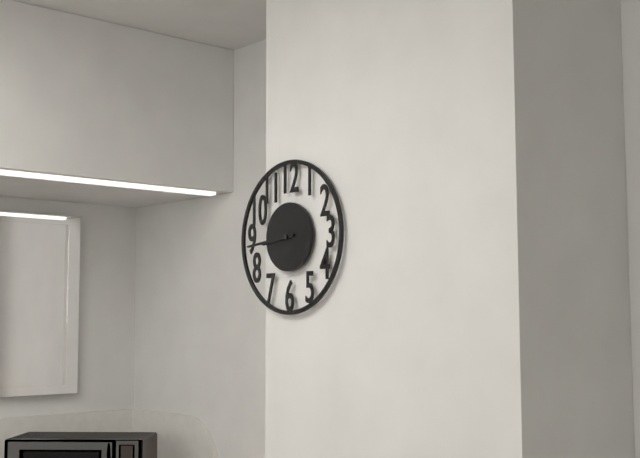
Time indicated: 8:44
